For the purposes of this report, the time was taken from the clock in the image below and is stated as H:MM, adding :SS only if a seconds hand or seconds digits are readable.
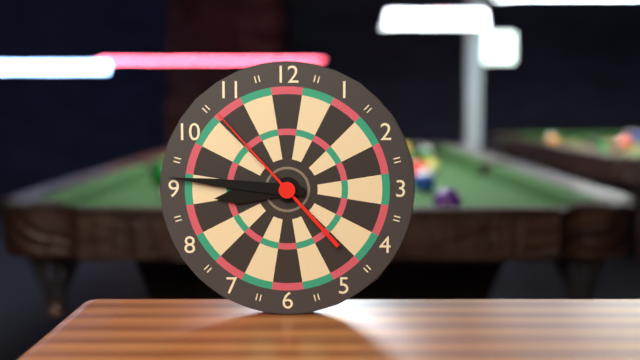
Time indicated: 8:46:53
